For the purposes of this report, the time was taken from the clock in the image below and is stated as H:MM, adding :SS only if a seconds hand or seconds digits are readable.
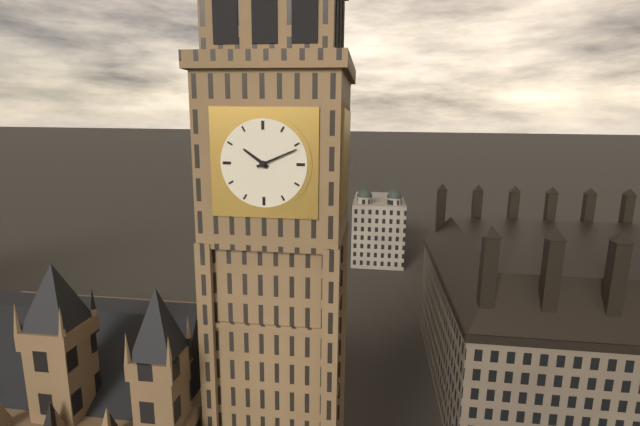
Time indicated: 10:11
